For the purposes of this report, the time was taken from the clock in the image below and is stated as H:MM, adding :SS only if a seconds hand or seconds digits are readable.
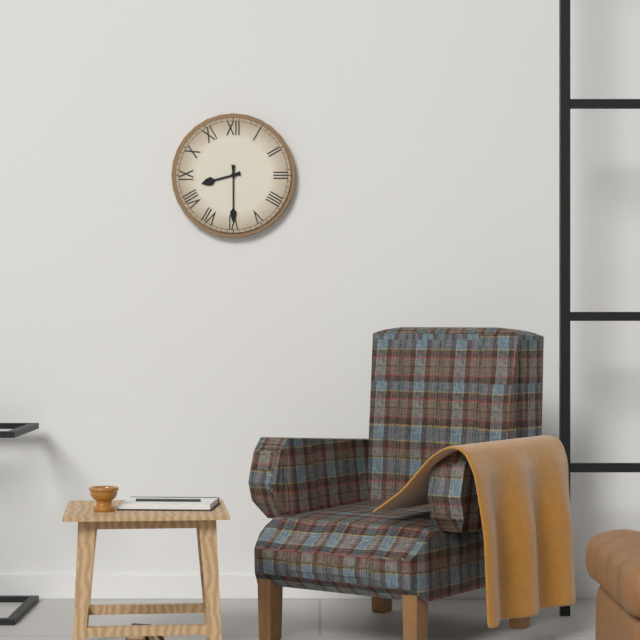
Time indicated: 8:30
